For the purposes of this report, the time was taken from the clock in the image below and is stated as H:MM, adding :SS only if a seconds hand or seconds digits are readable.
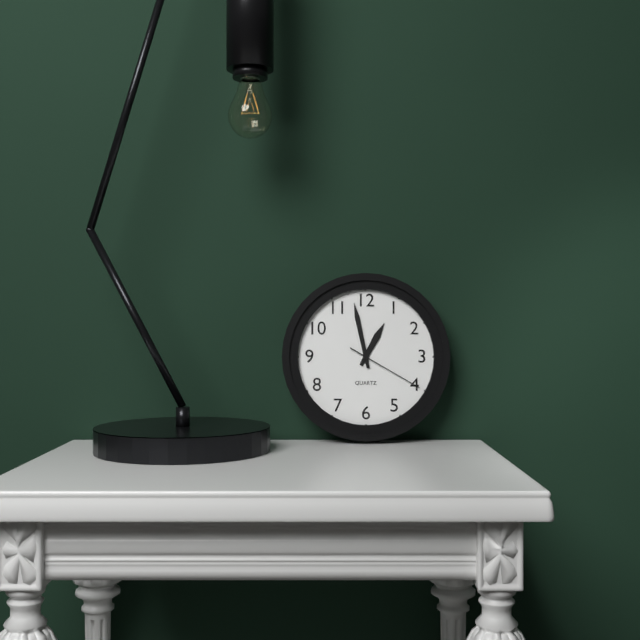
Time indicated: 12:58:20
